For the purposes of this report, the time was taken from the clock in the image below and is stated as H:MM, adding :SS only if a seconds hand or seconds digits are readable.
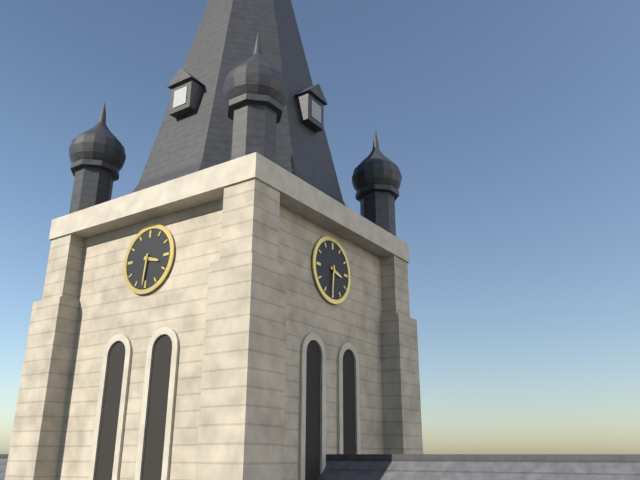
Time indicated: 3:31
